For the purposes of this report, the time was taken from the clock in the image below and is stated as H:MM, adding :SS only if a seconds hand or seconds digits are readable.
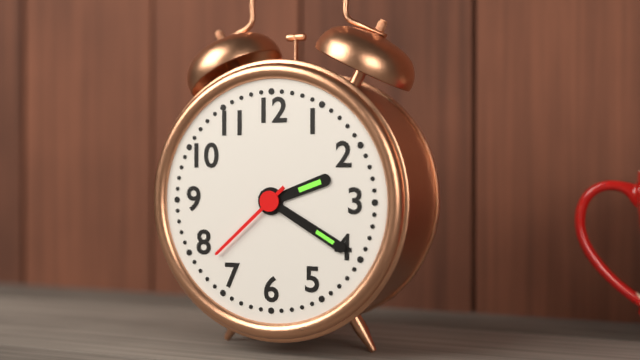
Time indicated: 2:20:38
